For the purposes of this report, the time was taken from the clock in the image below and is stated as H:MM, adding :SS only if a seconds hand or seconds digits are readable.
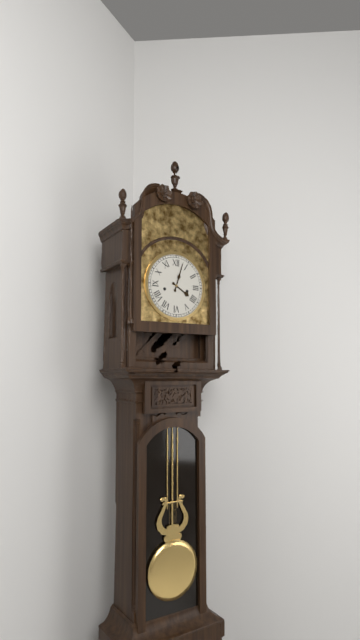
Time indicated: 4:03
